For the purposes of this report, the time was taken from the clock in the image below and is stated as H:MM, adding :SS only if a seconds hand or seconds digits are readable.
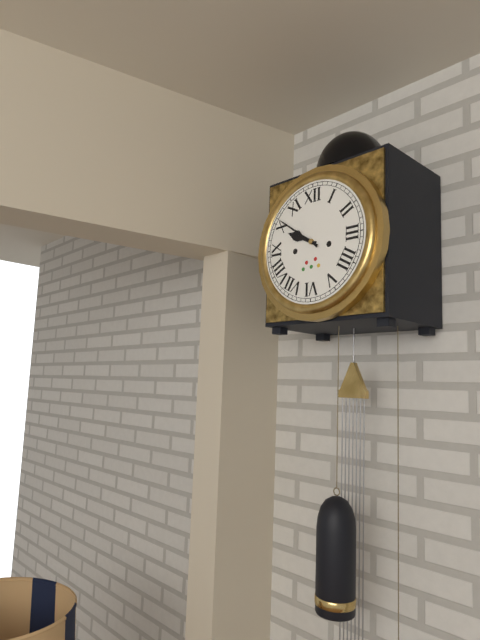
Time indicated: 9:51
